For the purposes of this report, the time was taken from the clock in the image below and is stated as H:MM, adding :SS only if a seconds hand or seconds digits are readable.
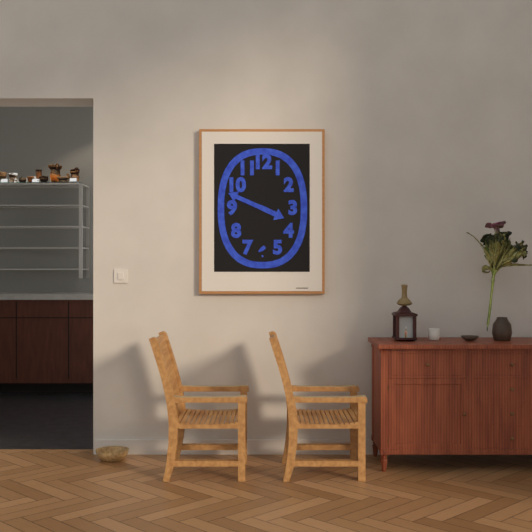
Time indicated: 3:49
